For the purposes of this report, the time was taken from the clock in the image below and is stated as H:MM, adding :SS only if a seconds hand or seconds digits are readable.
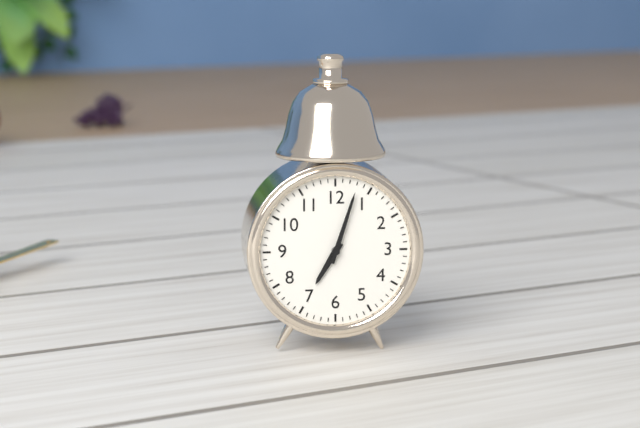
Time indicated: 7:03
